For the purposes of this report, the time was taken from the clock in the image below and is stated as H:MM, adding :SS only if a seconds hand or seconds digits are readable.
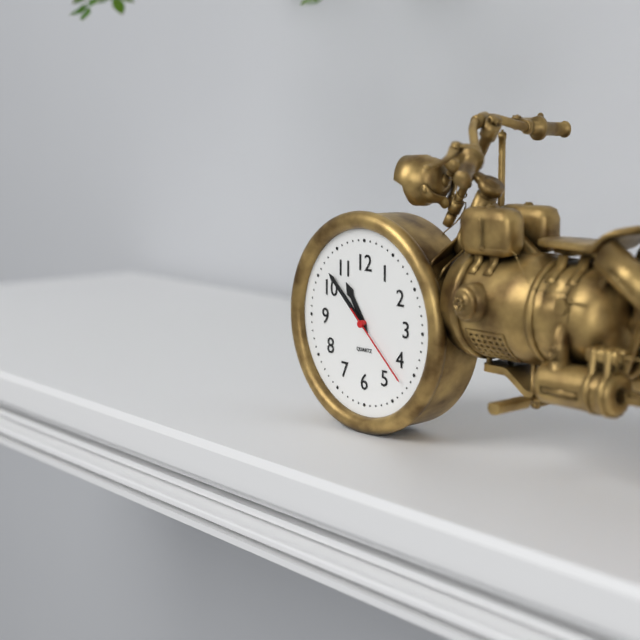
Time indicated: 10:52:22
